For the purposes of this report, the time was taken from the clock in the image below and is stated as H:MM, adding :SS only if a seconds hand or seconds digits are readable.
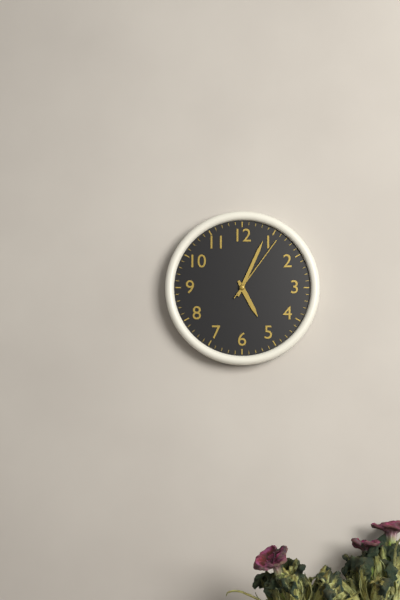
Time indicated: 5:04:06
